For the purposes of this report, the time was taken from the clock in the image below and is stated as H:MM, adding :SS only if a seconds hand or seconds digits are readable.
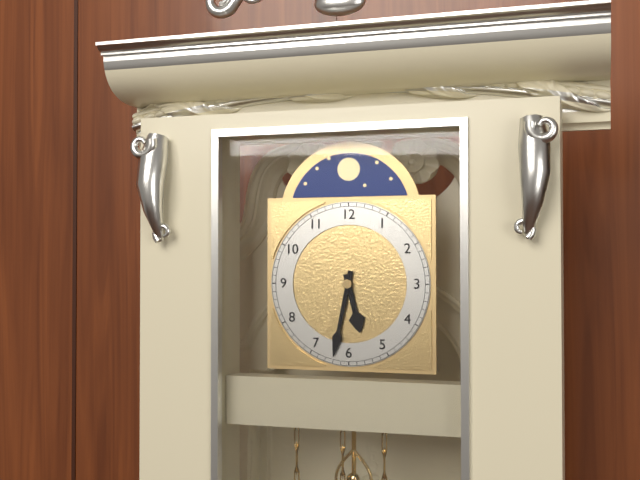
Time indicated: 5:32
